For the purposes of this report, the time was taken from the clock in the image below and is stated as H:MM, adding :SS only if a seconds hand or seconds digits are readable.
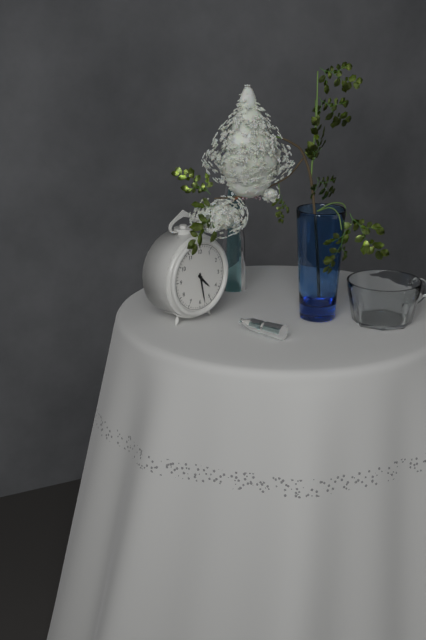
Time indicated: 4:28
